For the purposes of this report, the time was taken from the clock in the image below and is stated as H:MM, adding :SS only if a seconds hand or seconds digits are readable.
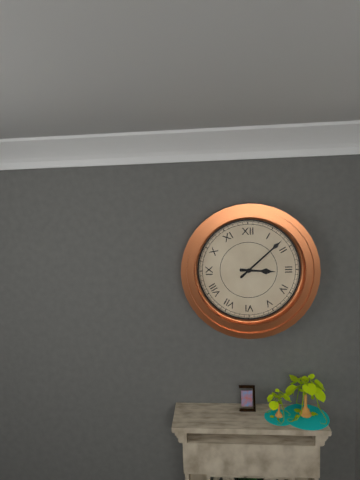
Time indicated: 3:08
